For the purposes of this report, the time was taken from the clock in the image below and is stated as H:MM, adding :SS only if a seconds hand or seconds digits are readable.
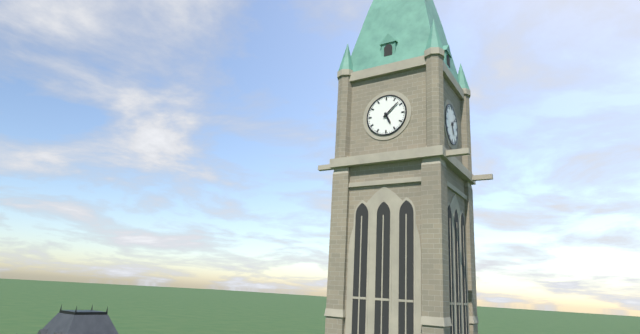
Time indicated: 5:08
